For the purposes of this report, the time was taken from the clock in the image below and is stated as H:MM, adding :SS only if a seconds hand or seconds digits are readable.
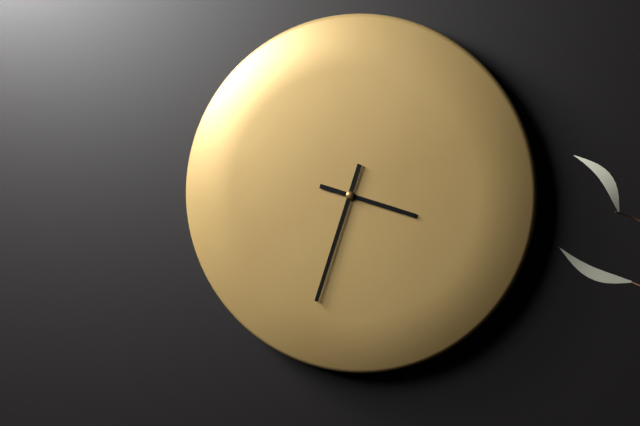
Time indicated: 3:33
